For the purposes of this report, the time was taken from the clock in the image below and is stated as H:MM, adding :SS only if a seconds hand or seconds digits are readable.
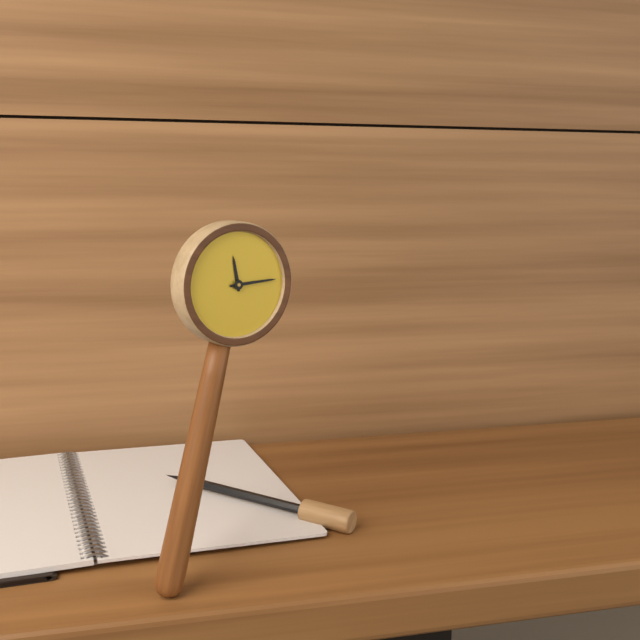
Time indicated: 11:12
